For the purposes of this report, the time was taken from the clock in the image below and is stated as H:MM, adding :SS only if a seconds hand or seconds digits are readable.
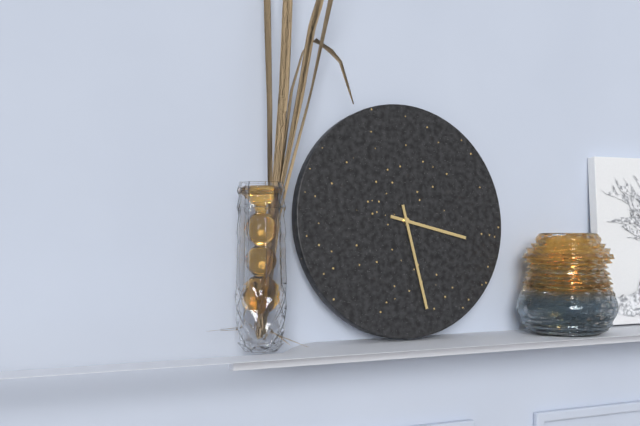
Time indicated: 3:28
